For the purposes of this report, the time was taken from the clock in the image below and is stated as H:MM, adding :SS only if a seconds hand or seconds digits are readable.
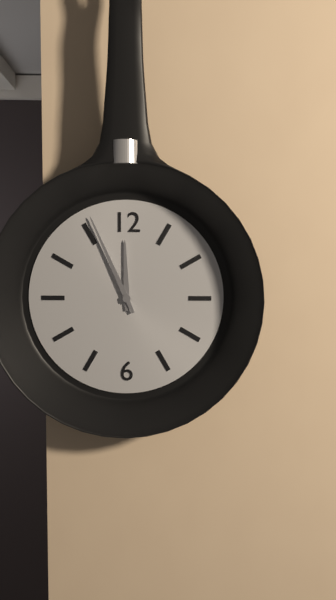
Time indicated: 11:56
